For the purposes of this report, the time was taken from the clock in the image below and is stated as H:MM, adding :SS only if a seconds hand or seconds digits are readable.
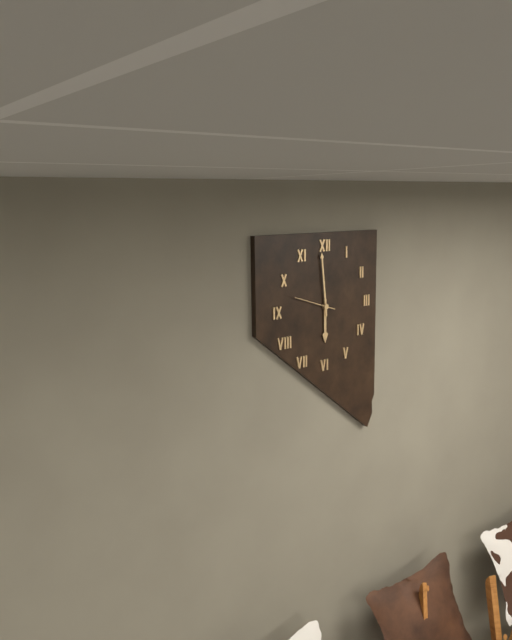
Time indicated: 5:59
